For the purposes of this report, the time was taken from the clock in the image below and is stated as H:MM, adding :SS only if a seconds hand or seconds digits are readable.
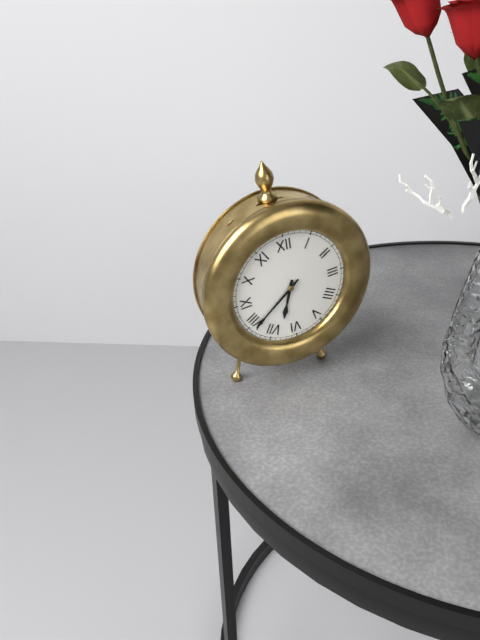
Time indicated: 6:39
